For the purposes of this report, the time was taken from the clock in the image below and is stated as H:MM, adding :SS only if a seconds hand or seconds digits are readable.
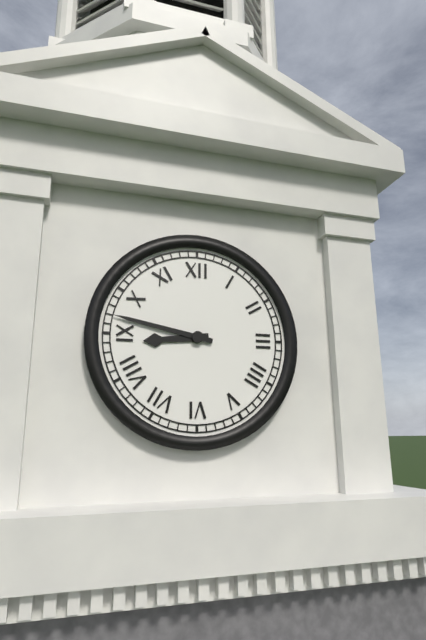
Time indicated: 8:47
